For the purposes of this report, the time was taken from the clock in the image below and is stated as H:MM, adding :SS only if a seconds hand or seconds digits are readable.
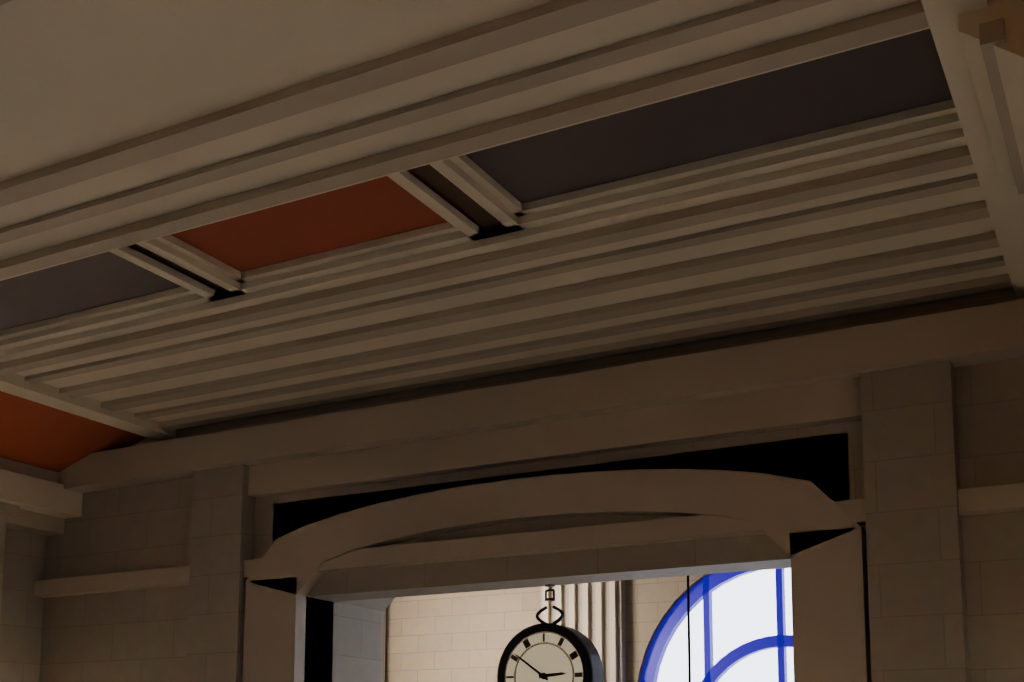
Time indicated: 2:51
